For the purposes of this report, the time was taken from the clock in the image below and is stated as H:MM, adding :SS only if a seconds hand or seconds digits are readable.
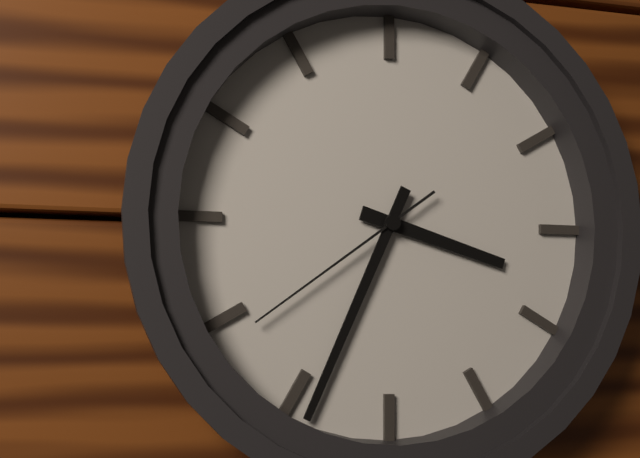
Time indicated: 3:34:39
